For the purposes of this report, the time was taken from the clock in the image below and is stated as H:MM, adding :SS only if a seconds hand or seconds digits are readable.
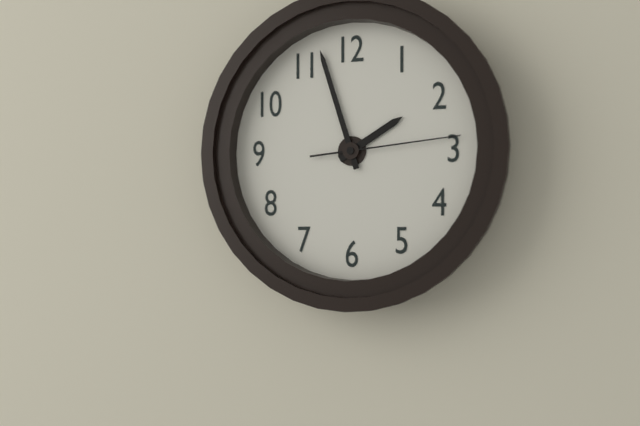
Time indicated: 1:57:14
